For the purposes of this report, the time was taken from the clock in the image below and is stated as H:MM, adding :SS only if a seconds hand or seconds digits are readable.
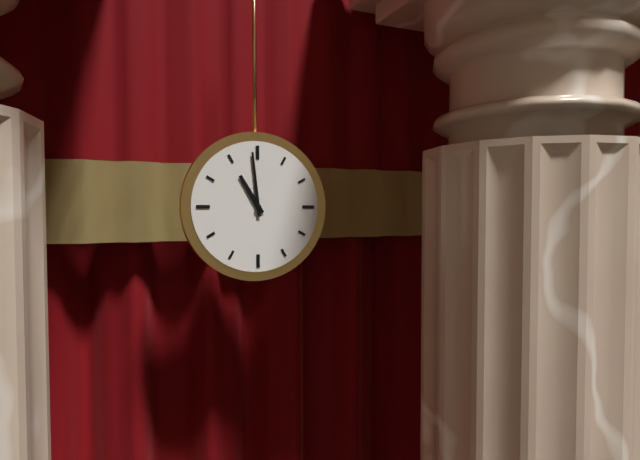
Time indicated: 10:59
